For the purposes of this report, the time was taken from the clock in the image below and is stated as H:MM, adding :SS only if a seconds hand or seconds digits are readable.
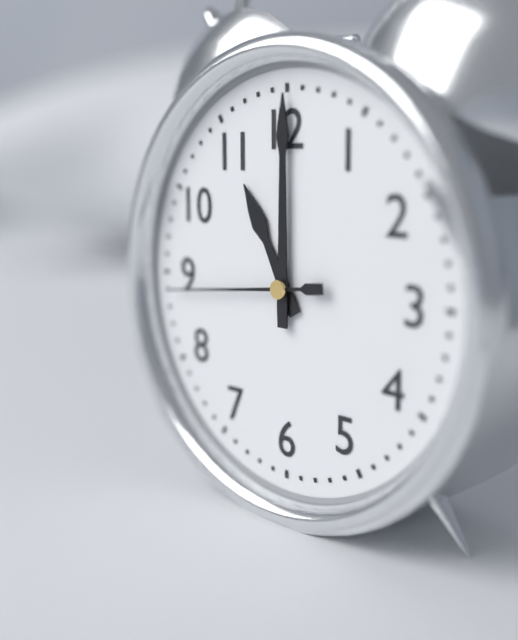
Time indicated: 11:00:44
